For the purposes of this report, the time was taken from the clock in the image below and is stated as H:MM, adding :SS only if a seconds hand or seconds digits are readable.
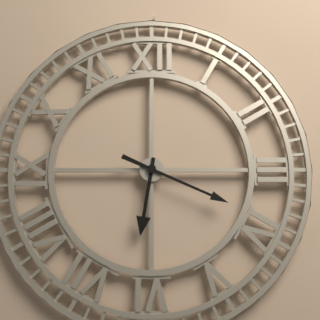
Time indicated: 6:19
